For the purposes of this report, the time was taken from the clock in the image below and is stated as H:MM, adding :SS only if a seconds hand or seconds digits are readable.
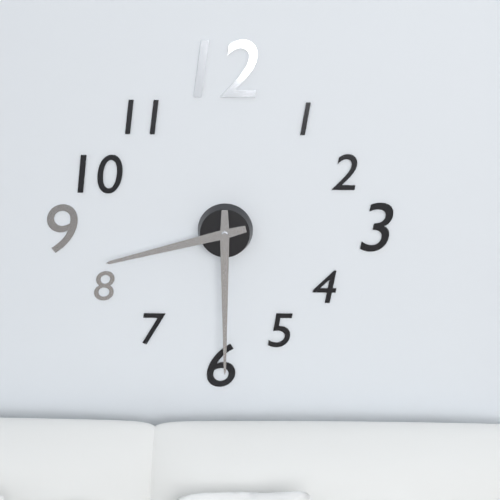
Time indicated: 8:30
